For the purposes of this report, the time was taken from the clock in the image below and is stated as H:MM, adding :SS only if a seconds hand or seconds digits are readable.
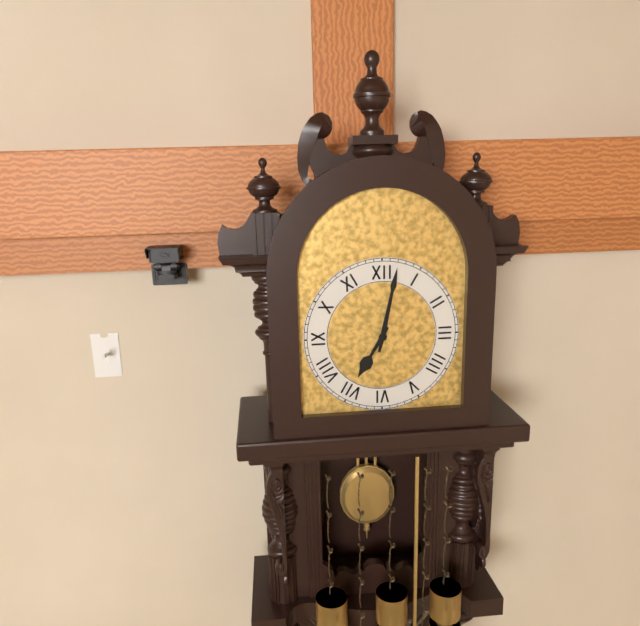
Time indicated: 7:02
